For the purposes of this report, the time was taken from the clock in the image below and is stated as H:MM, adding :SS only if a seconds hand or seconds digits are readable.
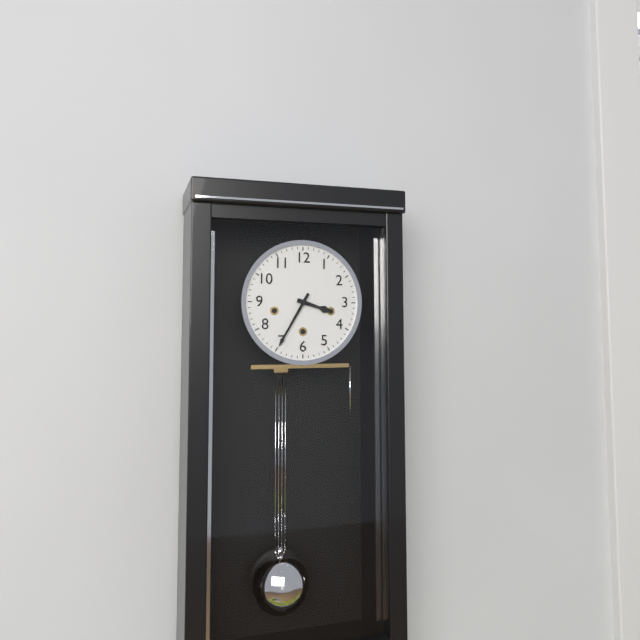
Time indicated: 3:35
